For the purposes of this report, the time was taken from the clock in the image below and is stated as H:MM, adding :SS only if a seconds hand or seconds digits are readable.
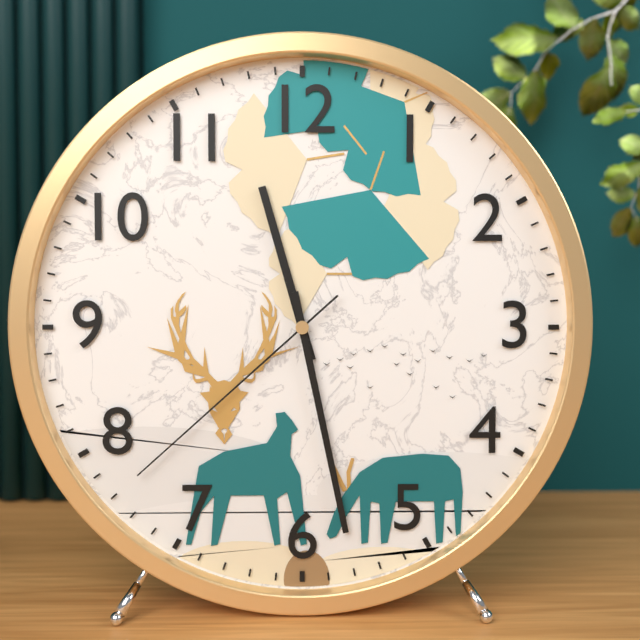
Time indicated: 11:28:38
